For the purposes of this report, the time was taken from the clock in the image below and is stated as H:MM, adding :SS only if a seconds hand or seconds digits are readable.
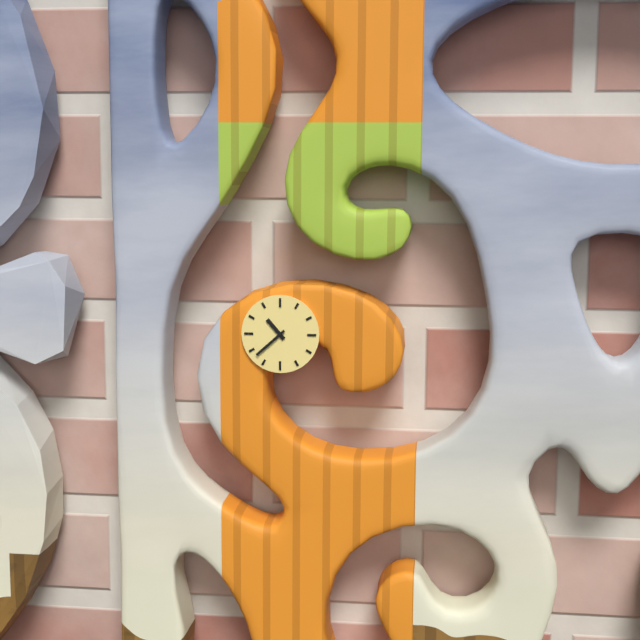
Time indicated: 10:38
